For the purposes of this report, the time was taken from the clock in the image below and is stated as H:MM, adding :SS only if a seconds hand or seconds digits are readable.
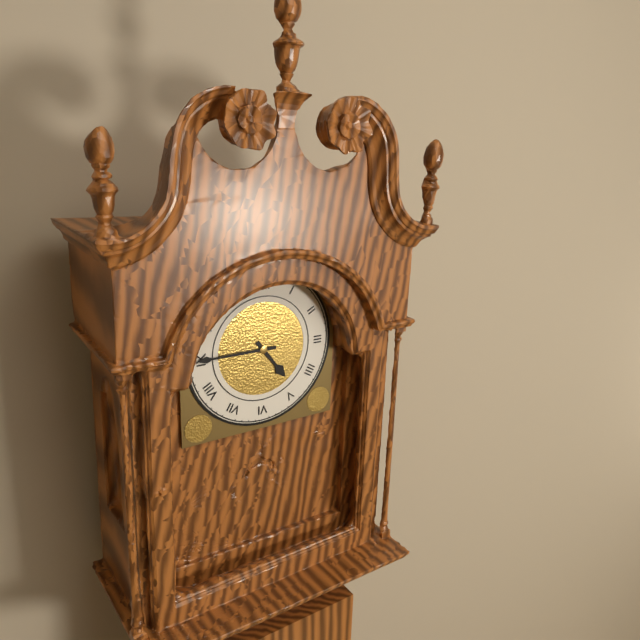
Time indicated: 4:45
